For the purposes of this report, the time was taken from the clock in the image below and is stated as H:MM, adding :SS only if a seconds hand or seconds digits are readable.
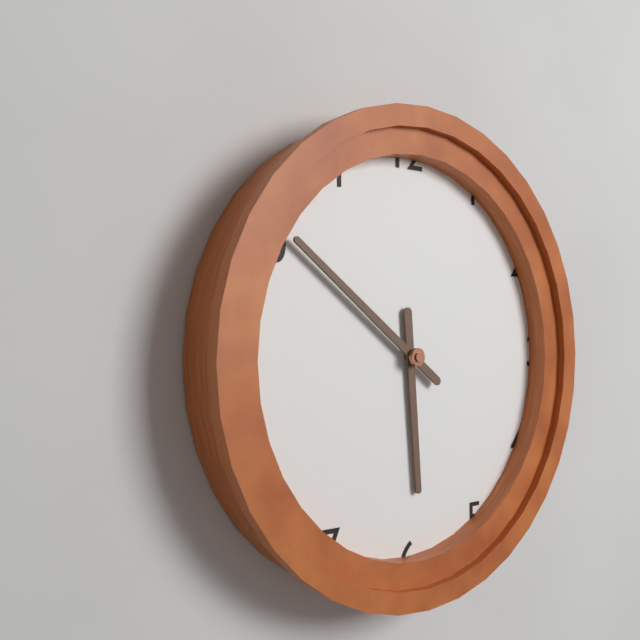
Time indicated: 5:51
